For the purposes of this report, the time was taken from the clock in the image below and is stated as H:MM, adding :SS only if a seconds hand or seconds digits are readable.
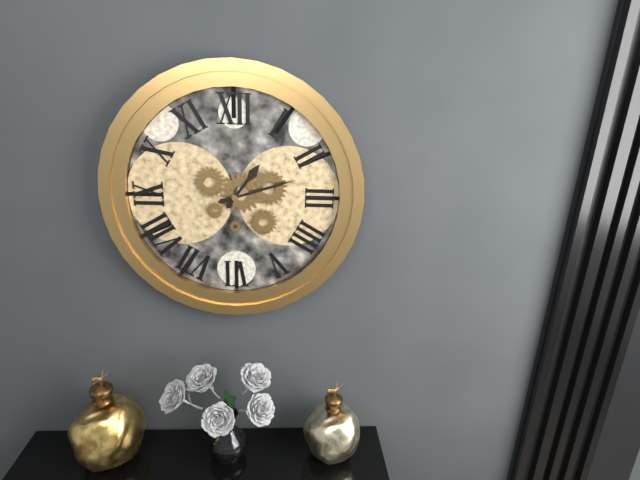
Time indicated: 1:12
